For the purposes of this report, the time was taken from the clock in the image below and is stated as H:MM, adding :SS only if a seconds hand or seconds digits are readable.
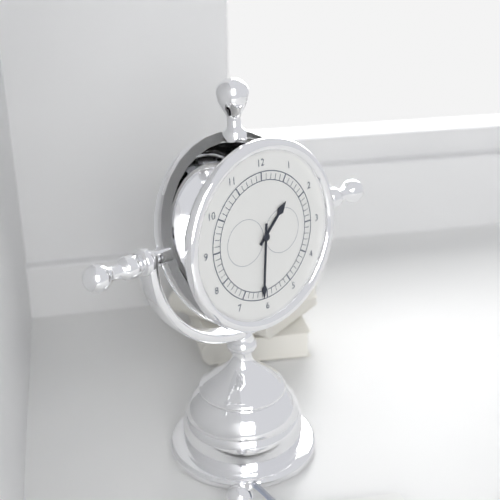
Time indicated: 1:31
